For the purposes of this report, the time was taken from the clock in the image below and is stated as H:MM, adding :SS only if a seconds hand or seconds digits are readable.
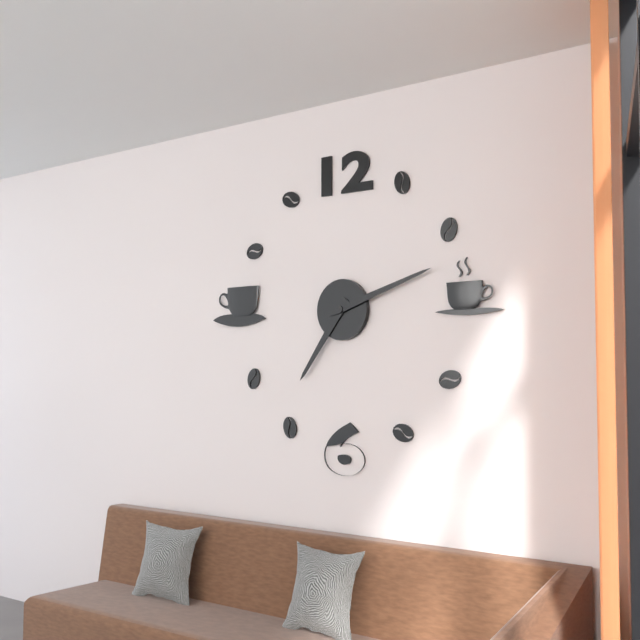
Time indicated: 7:12
